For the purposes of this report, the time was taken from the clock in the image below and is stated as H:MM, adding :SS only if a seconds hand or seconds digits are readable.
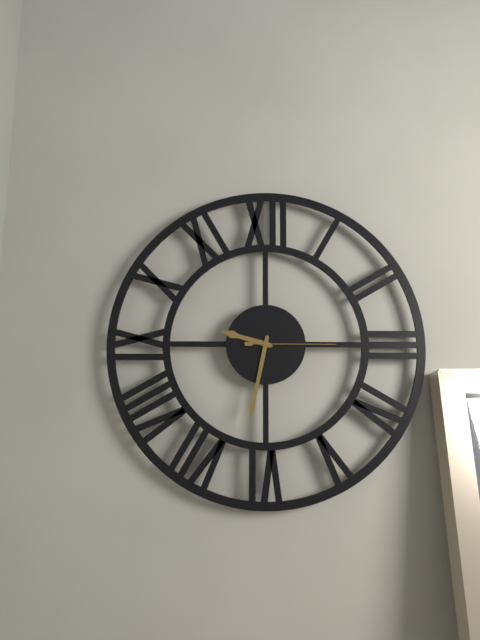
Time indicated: 9:32:15
